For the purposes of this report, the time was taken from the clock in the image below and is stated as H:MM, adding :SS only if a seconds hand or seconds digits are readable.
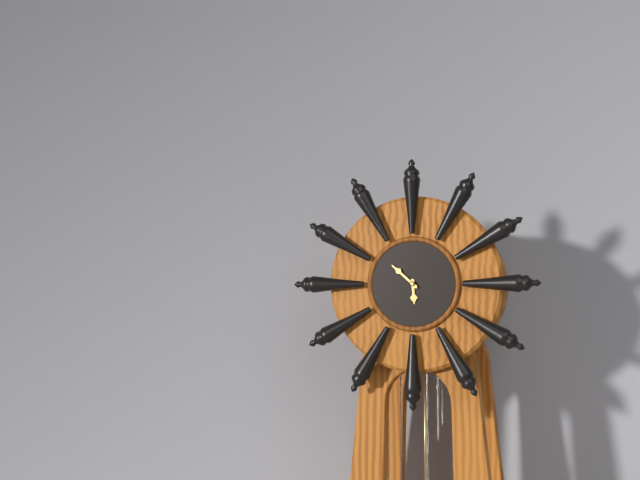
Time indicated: 5:52
